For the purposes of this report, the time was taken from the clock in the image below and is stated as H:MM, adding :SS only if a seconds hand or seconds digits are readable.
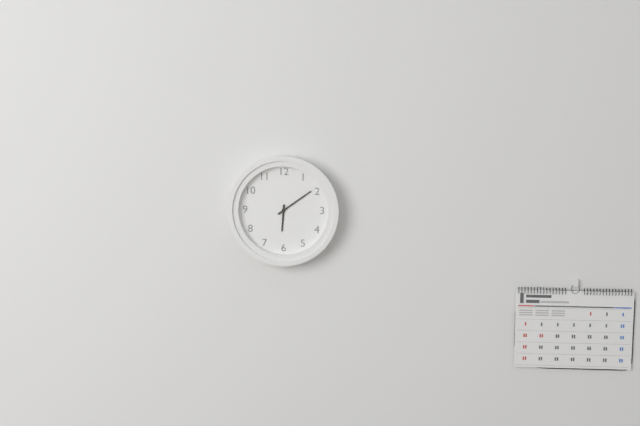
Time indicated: 6:09
